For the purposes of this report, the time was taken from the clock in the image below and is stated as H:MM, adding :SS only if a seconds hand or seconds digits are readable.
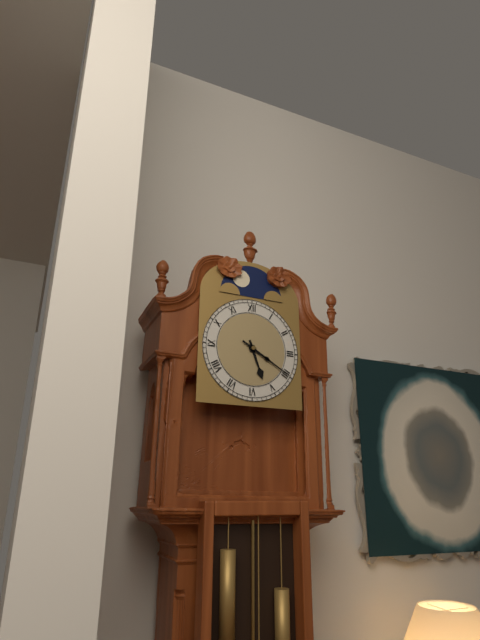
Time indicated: 5:20
